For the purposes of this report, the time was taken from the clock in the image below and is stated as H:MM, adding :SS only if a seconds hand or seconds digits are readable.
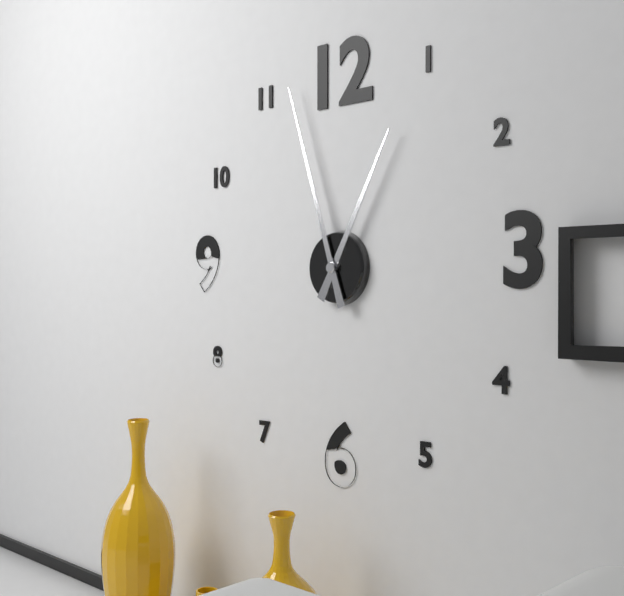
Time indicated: 12:57
